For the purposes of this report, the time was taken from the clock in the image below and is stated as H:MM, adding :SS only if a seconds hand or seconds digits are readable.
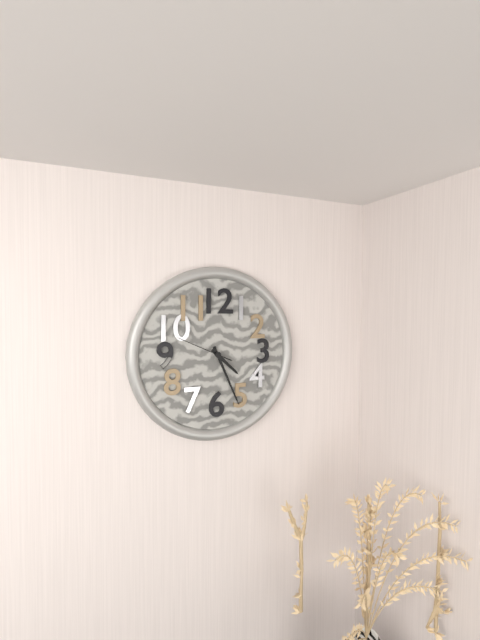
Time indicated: 4:26:49
